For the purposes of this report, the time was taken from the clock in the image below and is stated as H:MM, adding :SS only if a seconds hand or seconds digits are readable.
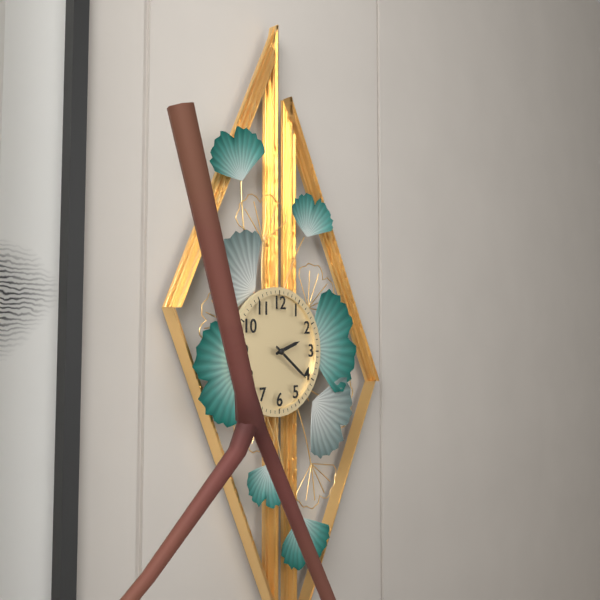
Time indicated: 2:21
